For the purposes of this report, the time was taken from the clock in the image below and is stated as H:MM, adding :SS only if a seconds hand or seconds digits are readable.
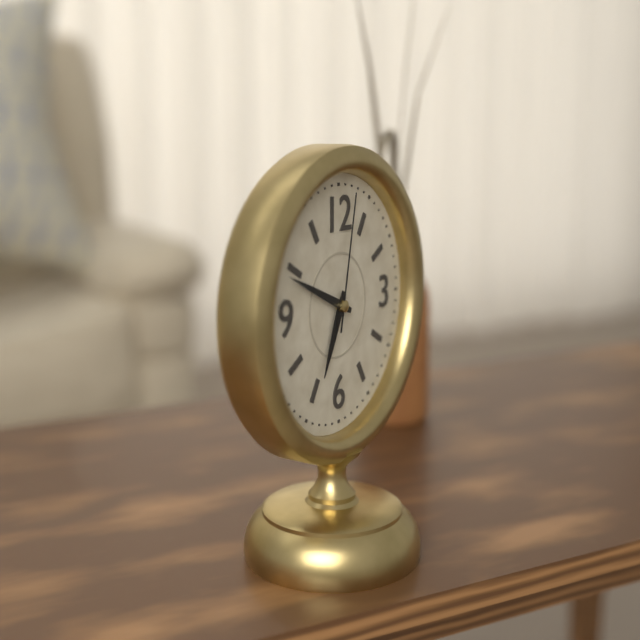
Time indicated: 6:49:02
